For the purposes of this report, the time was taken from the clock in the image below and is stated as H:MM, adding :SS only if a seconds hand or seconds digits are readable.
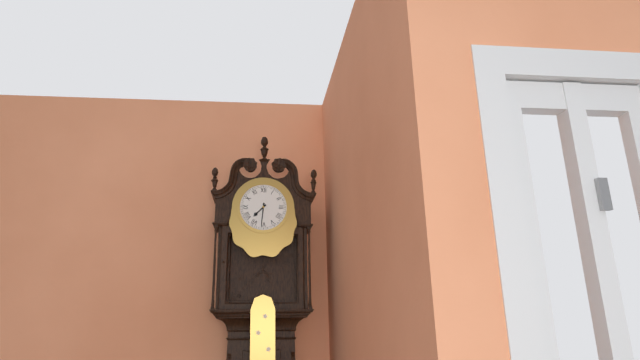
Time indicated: 7:31
